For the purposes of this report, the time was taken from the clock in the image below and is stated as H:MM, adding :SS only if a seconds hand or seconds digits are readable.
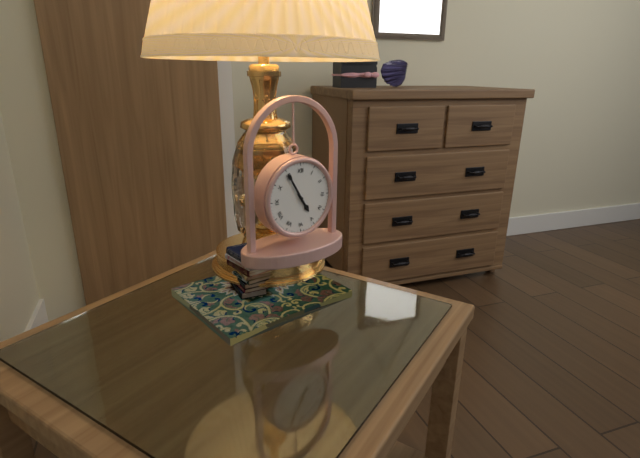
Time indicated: 4:55
